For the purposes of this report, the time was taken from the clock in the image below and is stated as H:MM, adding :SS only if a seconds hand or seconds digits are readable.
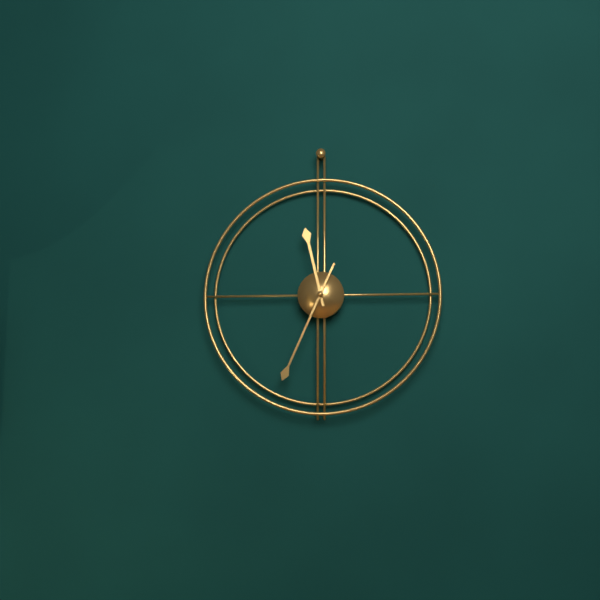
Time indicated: 11:34
